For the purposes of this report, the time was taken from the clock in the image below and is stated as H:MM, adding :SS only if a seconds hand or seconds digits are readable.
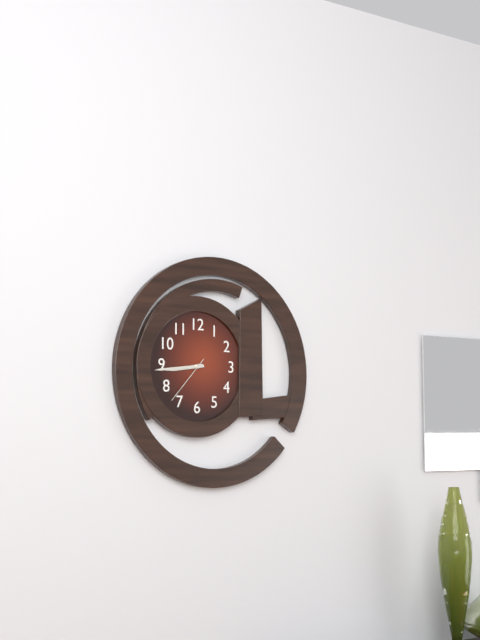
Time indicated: 8:44
